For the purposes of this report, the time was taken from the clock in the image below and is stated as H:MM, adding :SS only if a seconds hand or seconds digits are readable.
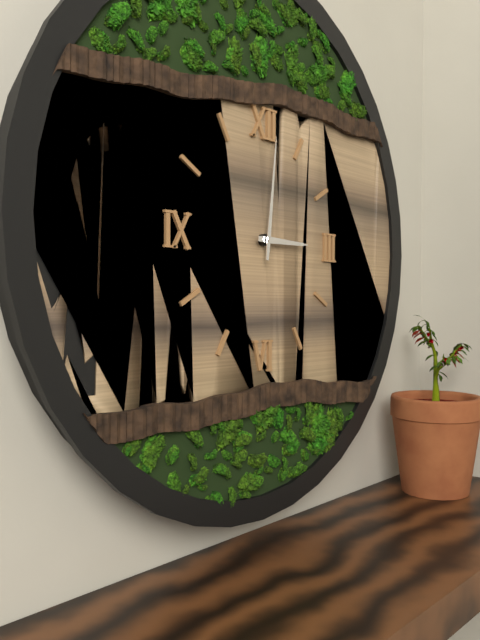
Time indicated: 3:01
